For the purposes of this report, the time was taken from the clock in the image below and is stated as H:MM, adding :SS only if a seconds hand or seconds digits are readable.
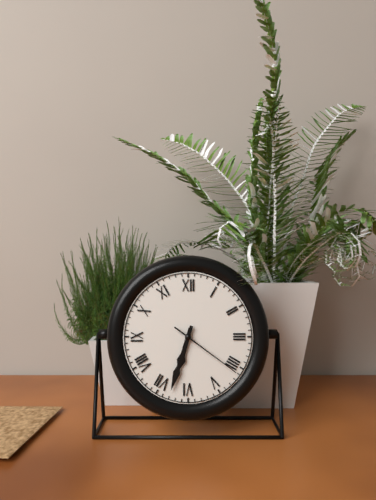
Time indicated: 6:33:21
